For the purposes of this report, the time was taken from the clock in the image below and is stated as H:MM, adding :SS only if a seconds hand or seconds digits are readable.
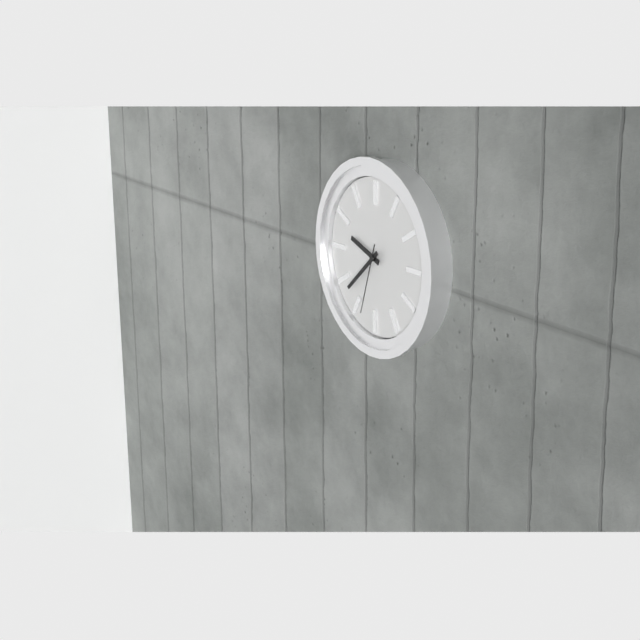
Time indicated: 9:38:33
